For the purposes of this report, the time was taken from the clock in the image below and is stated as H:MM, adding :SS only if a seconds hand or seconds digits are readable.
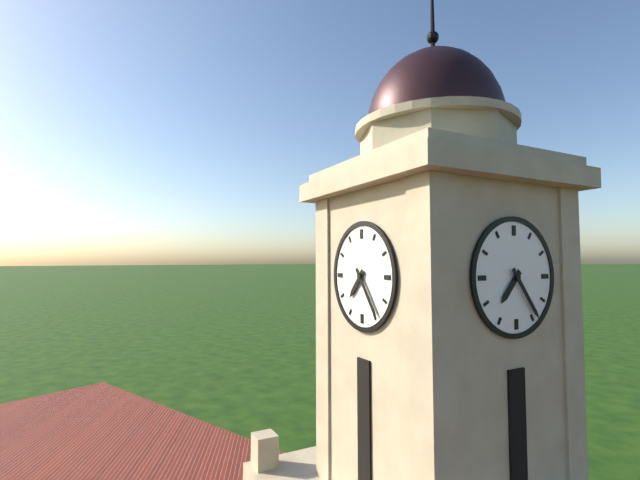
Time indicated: 7:24
